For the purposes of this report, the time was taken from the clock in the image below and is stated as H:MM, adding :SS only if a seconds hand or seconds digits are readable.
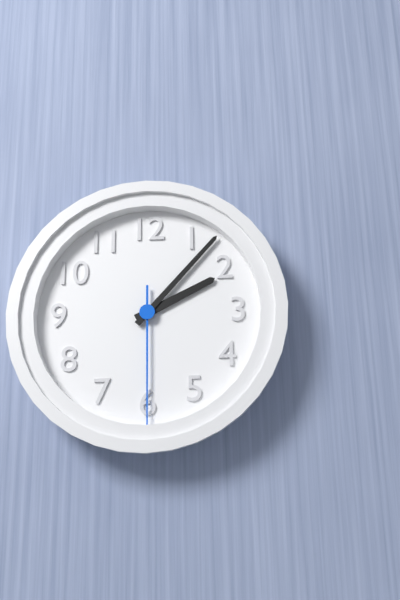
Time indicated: 2:07:30
